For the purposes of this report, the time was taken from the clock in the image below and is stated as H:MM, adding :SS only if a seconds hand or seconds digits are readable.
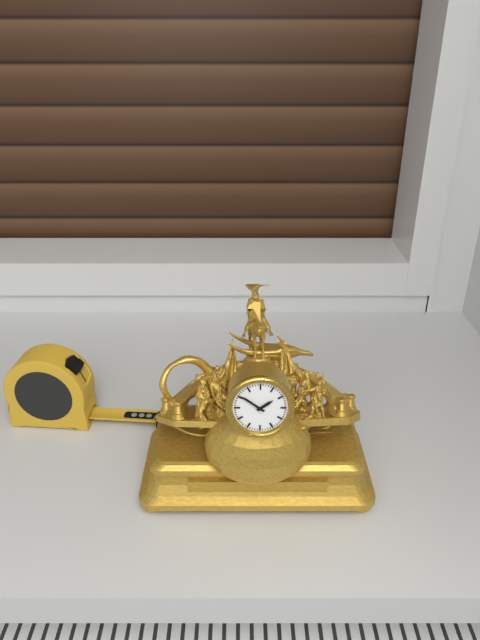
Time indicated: 1:51
